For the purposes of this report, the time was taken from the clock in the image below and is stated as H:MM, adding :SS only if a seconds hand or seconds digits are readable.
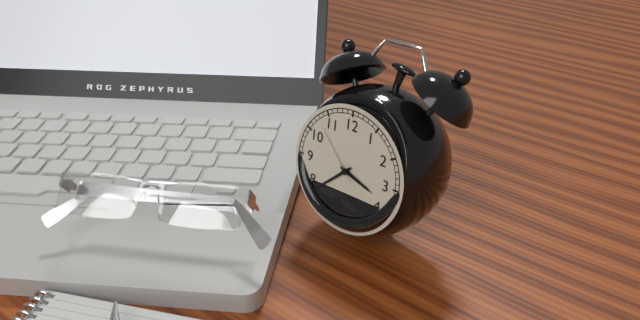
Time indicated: 3:38:53
